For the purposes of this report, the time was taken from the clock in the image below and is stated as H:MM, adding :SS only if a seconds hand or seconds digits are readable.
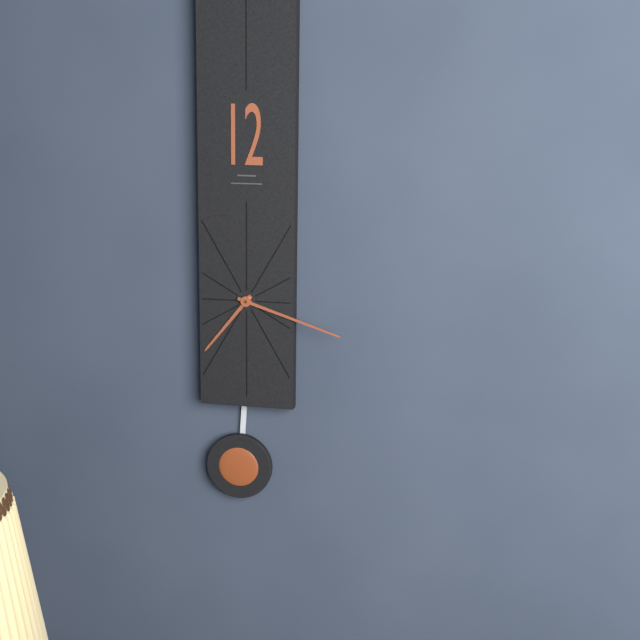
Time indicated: 7:18
